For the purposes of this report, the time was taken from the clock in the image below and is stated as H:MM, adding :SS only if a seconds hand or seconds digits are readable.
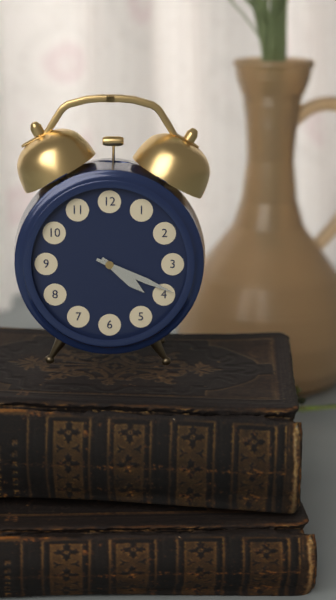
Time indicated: 4:19
